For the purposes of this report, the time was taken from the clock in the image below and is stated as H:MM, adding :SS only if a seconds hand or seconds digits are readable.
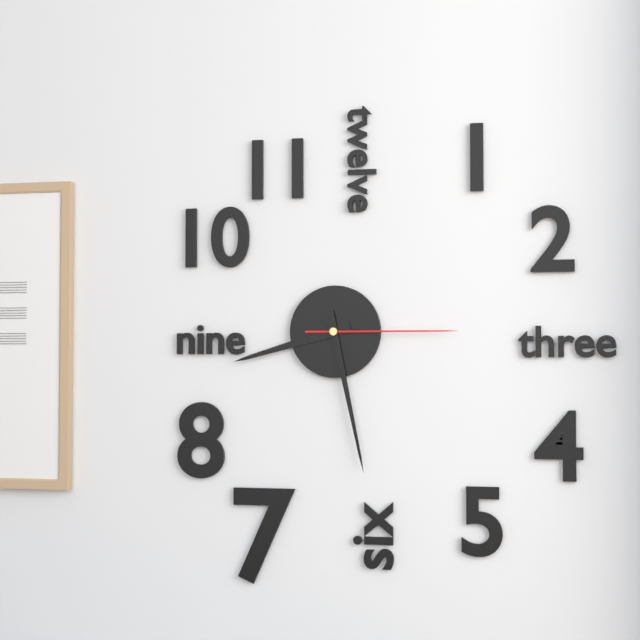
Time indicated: 8:28:15
